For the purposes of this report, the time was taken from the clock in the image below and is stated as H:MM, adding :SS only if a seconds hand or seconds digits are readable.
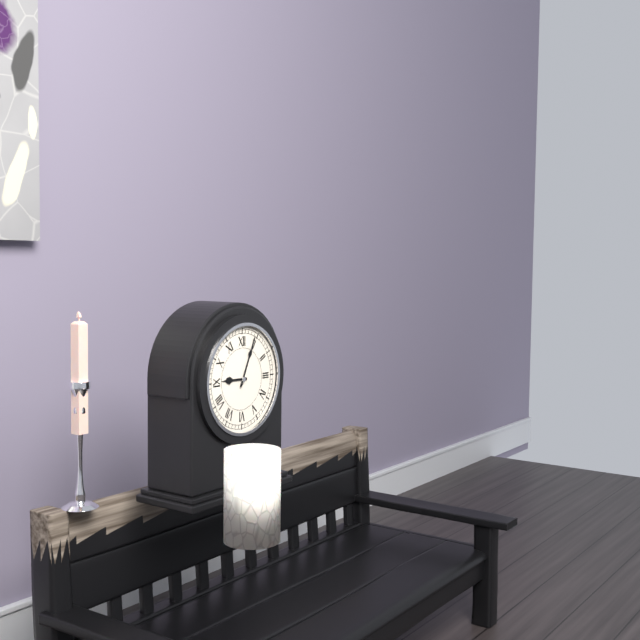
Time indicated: 9:04
